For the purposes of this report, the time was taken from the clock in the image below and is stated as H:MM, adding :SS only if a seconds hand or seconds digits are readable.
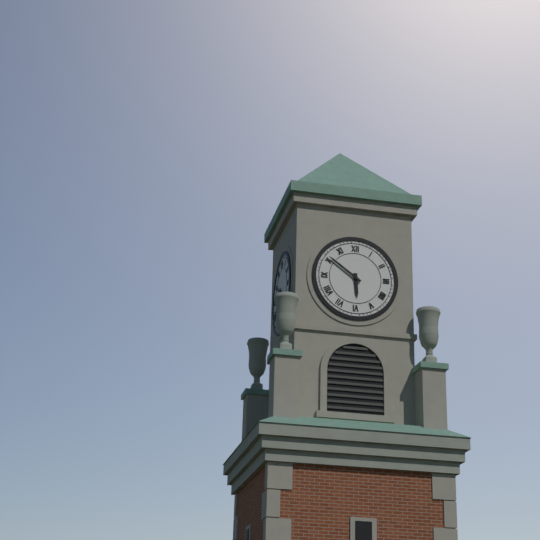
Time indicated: 5:51
